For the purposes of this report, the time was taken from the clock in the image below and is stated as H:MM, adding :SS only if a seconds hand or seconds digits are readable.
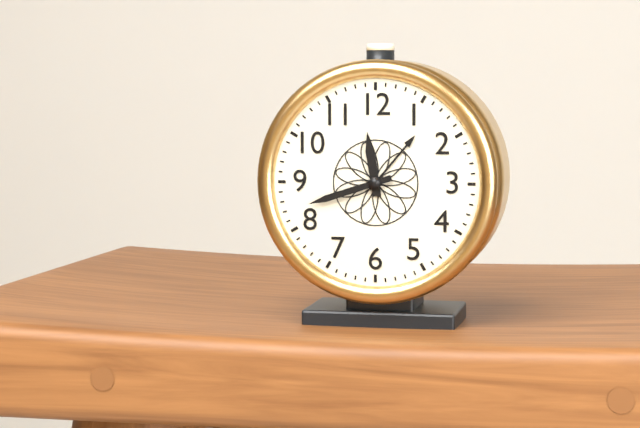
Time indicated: 11:42
